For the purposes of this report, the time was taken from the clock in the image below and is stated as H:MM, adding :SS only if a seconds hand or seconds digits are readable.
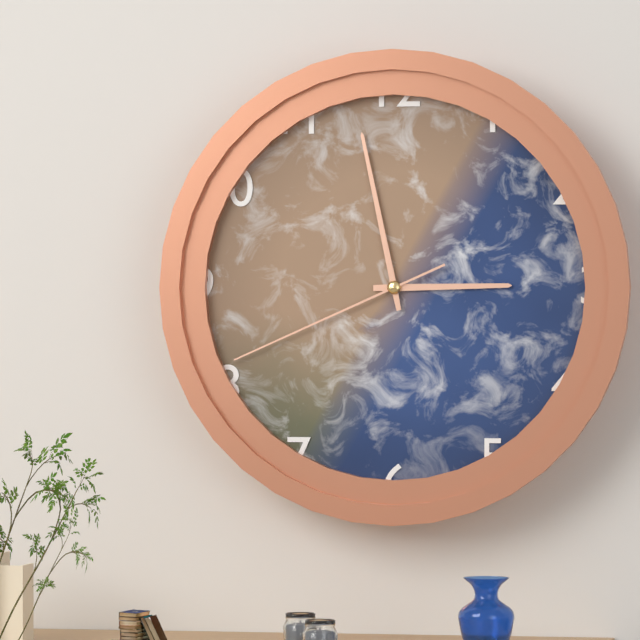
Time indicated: 2:58:41
